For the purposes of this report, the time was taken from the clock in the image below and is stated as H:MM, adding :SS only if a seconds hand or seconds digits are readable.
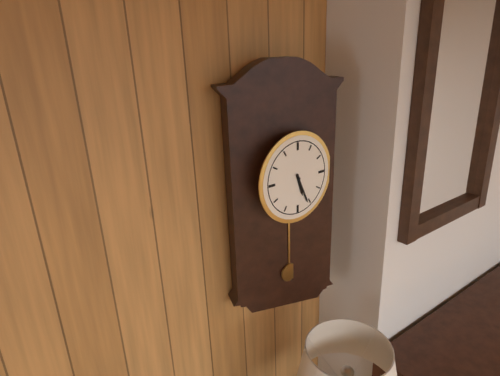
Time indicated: 5:26
